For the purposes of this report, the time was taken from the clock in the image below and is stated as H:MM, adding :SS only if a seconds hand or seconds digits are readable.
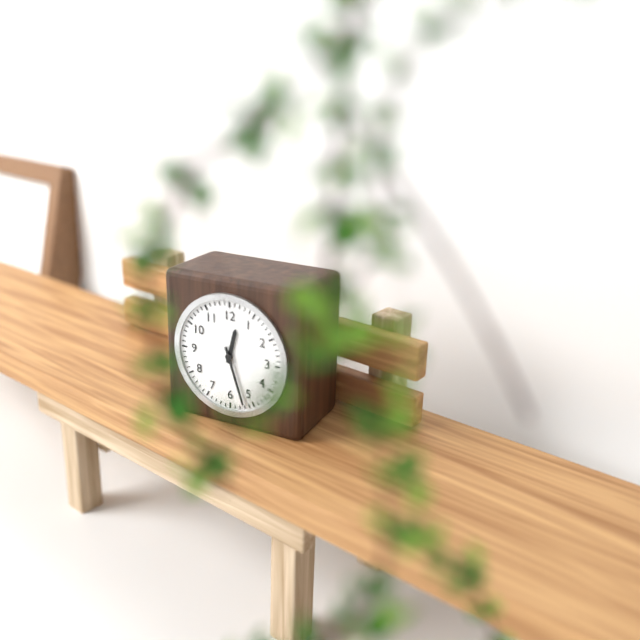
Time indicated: 12:27
